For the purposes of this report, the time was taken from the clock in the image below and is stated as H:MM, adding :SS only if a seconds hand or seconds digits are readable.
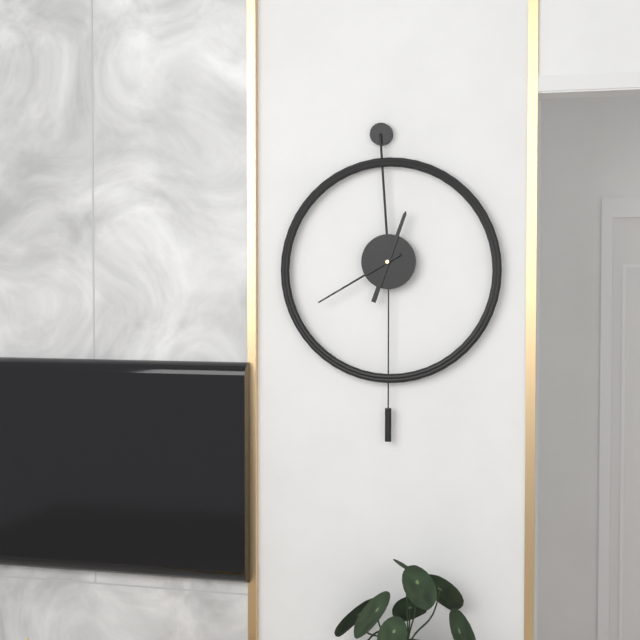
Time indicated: 12:40
